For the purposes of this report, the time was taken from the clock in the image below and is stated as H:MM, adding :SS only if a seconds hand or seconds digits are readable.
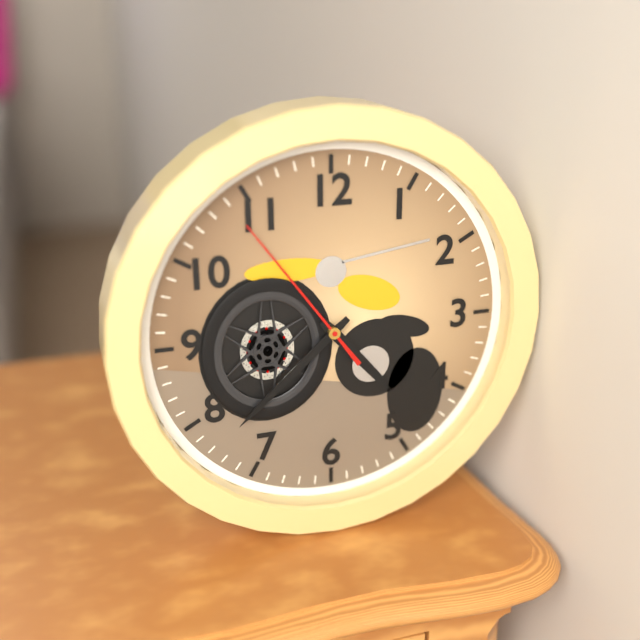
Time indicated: 4:38:54
